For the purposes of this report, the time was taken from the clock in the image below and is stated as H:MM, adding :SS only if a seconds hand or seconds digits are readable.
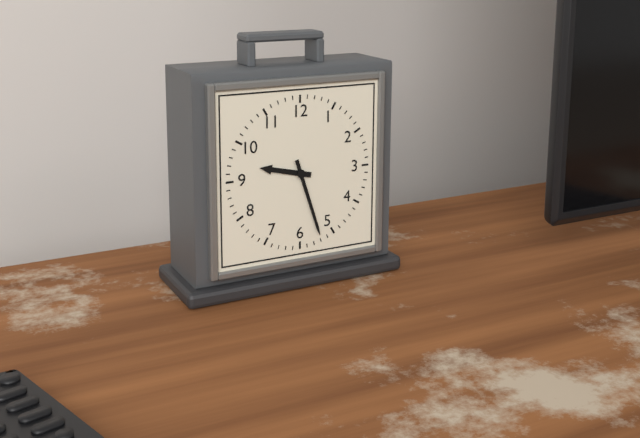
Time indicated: 9:27
